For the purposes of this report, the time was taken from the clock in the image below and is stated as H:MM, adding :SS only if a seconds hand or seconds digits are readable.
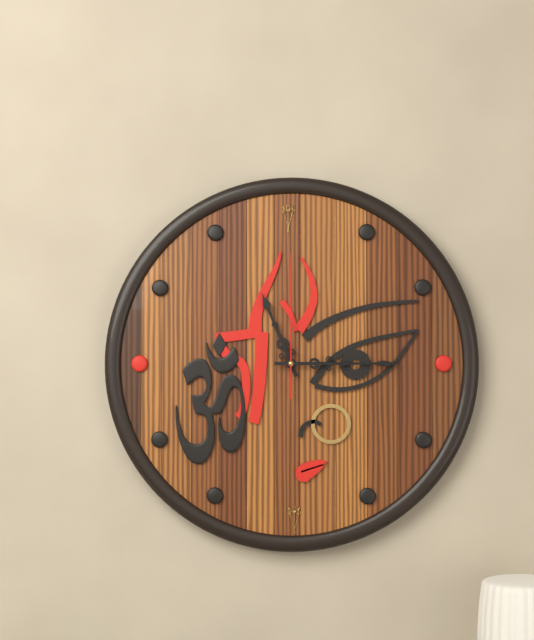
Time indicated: 11:15:00
